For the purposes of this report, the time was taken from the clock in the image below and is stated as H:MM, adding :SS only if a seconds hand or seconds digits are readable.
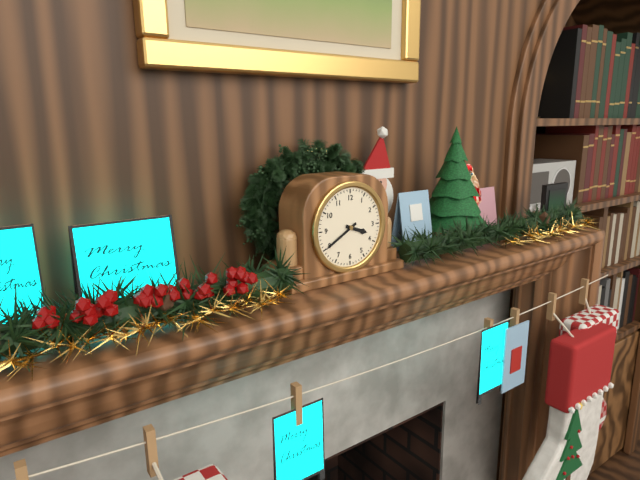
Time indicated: 3:40
